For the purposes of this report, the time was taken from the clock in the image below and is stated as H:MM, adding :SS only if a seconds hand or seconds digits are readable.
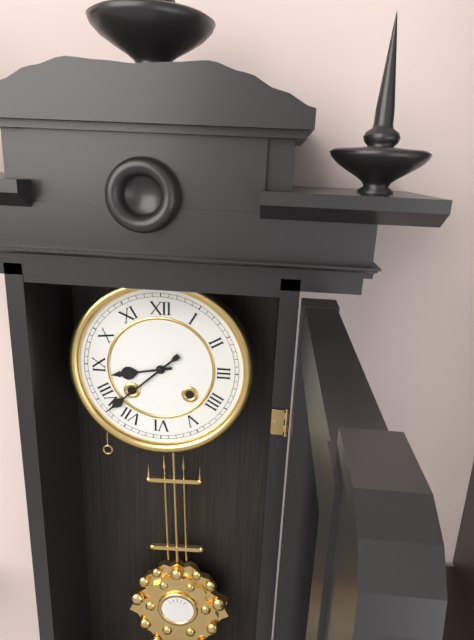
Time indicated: 8:38
